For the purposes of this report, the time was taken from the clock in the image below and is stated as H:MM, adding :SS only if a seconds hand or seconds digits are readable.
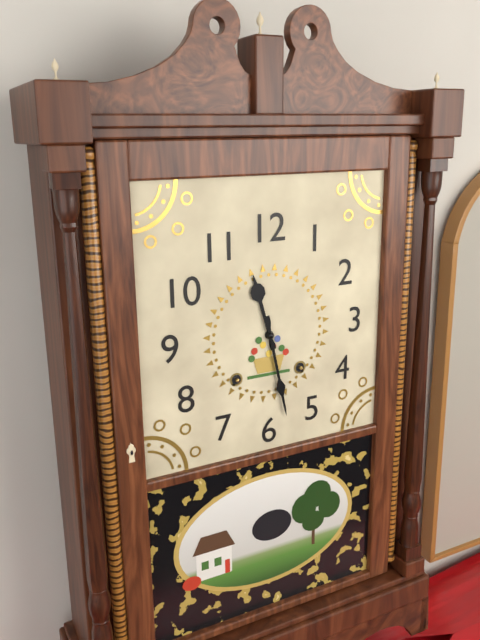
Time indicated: 11:28
